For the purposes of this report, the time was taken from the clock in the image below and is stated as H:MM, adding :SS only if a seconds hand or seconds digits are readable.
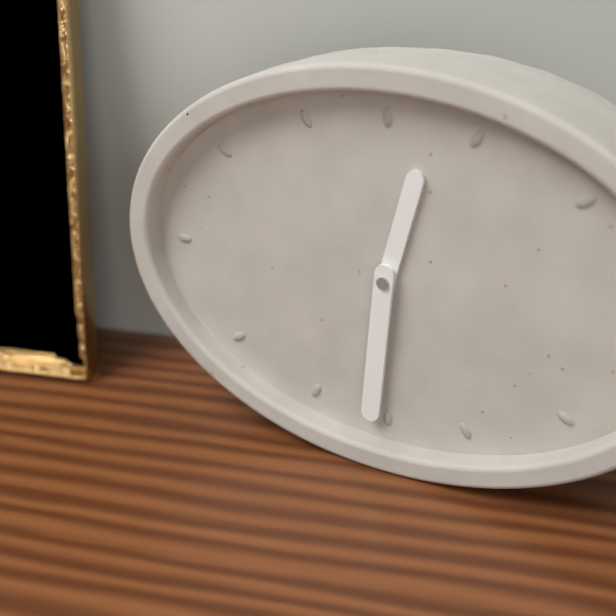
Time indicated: 12:31
